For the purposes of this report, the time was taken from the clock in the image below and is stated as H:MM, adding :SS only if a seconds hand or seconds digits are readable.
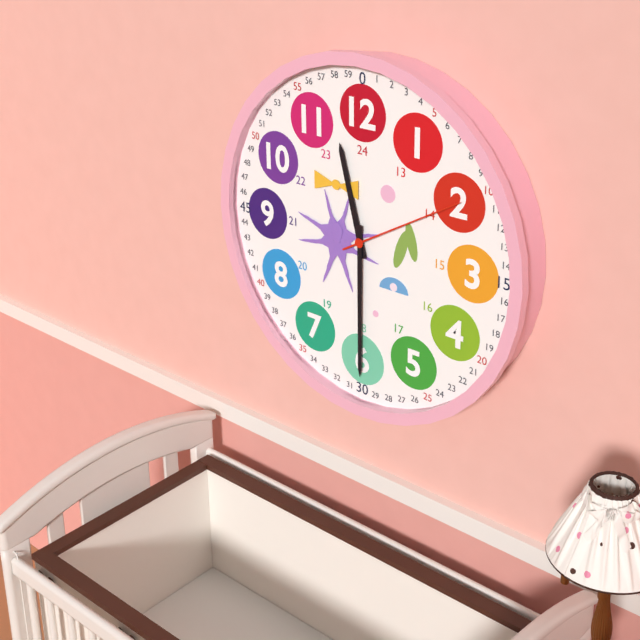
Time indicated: 11:30:10
